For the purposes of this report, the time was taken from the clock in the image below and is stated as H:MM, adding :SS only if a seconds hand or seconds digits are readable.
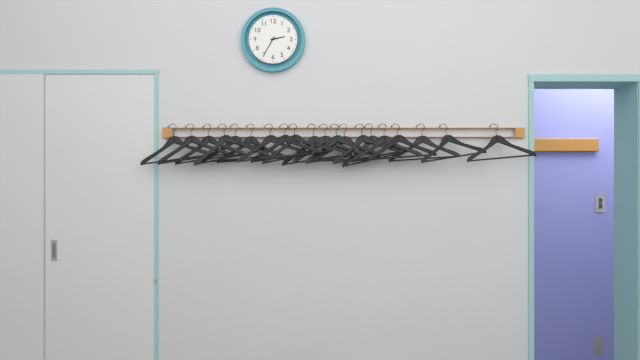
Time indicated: 2:35
